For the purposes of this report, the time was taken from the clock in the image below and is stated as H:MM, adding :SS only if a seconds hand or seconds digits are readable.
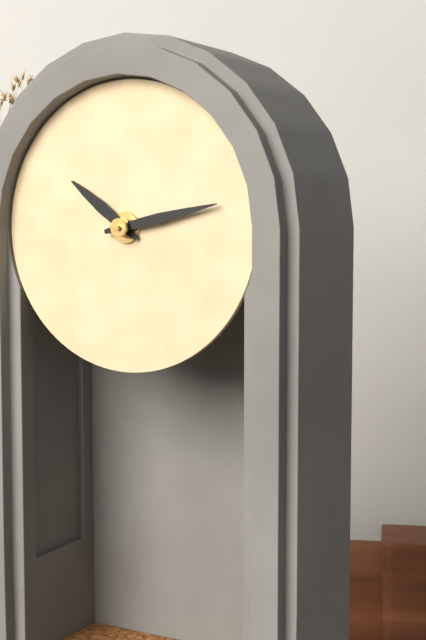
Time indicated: 10:13
